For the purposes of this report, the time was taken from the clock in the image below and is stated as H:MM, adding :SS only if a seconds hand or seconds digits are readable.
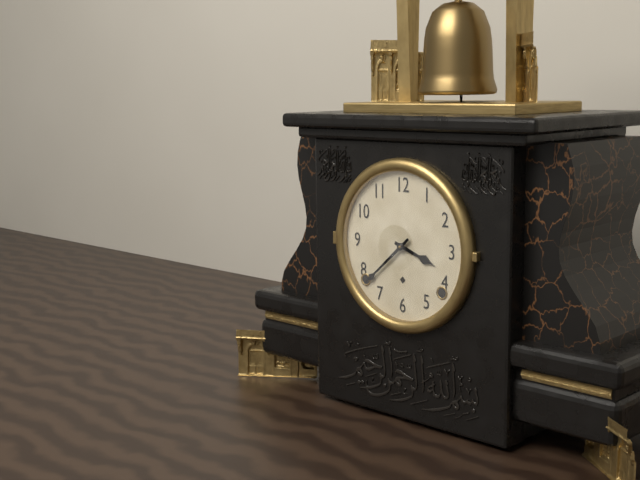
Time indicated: 3:38
